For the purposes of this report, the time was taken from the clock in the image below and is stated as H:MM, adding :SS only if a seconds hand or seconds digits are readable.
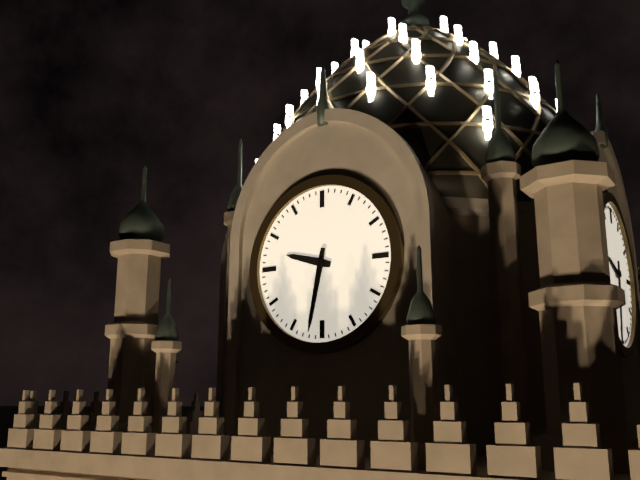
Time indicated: 9:32
